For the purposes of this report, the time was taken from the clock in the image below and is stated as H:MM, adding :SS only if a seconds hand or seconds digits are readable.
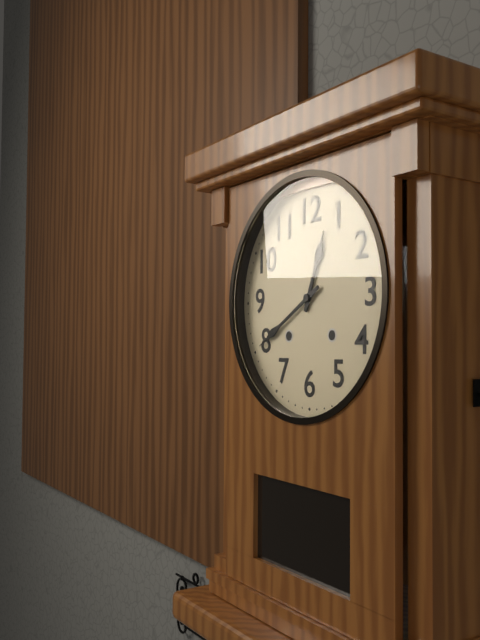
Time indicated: 12:40
